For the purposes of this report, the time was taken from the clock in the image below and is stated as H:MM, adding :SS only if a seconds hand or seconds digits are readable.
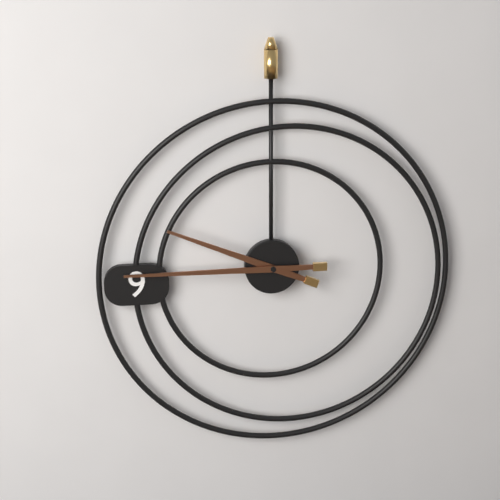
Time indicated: 9:45
